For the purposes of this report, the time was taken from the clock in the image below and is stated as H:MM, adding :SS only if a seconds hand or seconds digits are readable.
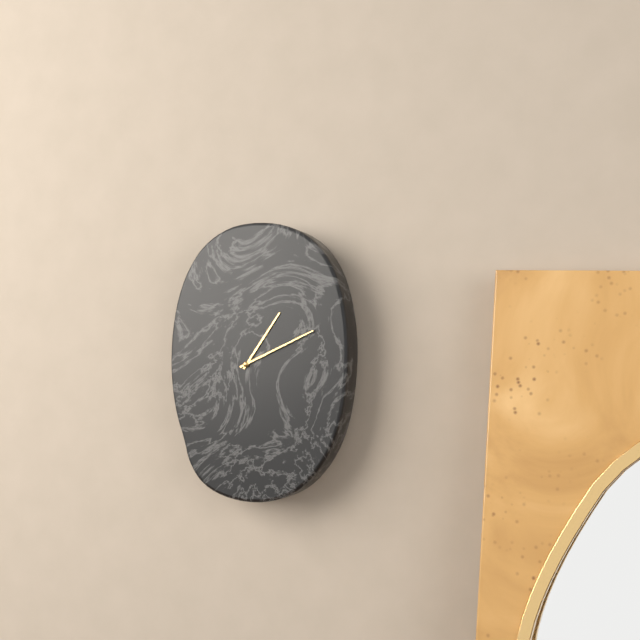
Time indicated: 1:11
